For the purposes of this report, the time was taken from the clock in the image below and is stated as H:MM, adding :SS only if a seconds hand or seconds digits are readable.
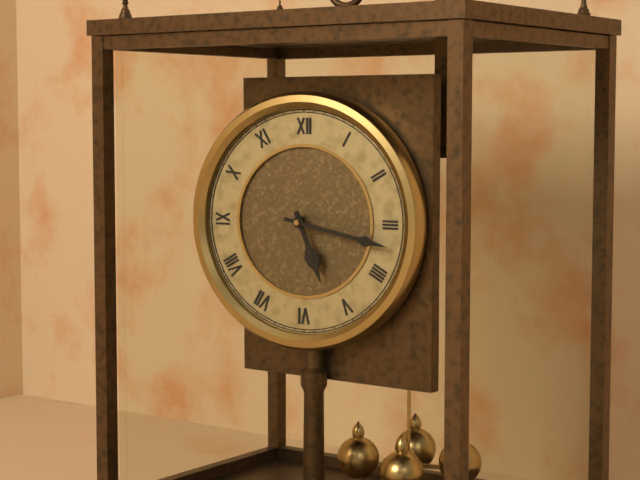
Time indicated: 5:17
